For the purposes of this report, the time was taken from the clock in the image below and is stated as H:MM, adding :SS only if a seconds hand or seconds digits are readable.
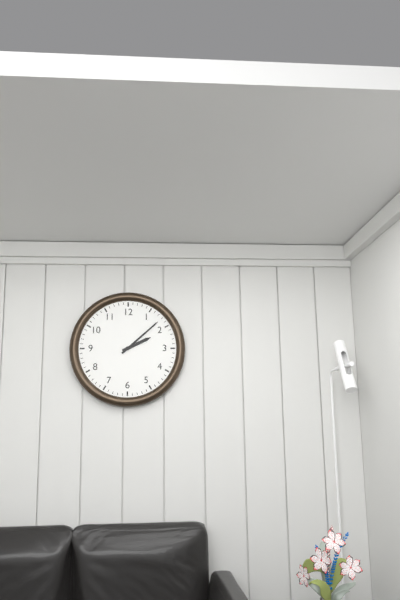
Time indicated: 2:08
